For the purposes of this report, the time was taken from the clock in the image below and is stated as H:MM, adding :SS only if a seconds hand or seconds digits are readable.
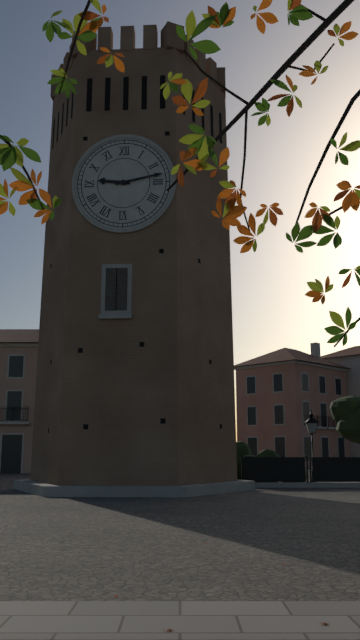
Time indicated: 9:13
